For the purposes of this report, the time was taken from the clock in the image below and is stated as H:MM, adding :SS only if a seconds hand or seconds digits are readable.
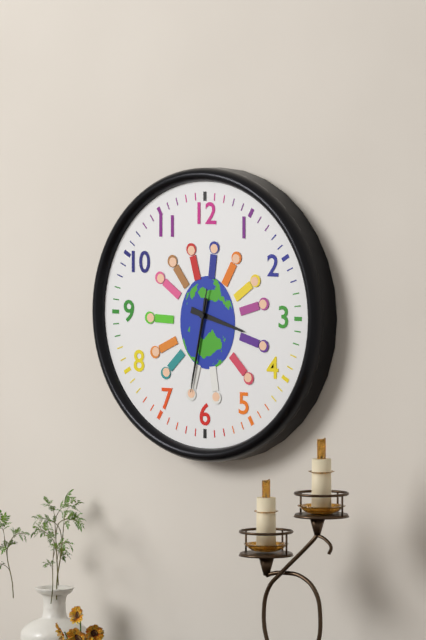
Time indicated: 3:32:32
